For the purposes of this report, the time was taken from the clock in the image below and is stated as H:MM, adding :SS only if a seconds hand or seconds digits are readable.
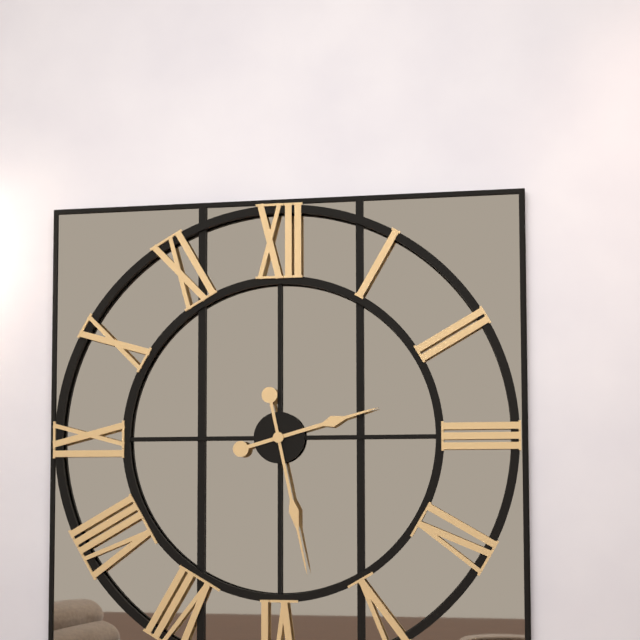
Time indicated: 2:28
